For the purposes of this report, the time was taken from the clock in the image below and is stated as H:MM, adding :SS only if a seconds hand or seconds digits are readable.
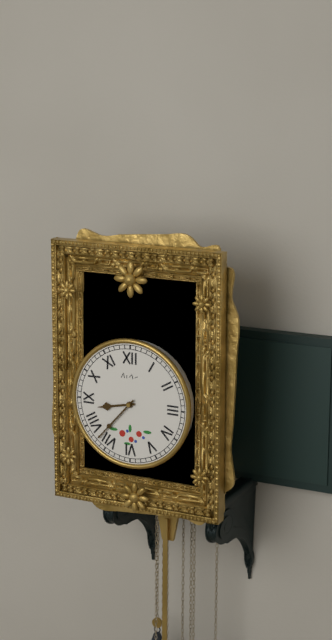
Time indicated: 8:37
